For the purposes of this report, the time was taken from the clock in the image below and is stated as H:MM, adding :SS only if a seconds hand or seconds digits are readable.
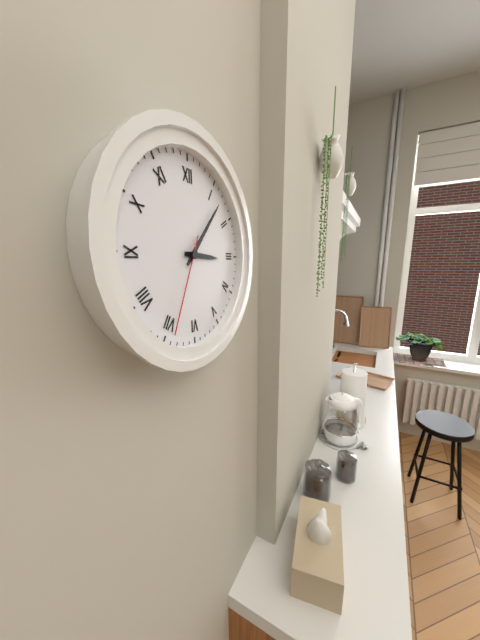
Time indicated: 3:07:34
